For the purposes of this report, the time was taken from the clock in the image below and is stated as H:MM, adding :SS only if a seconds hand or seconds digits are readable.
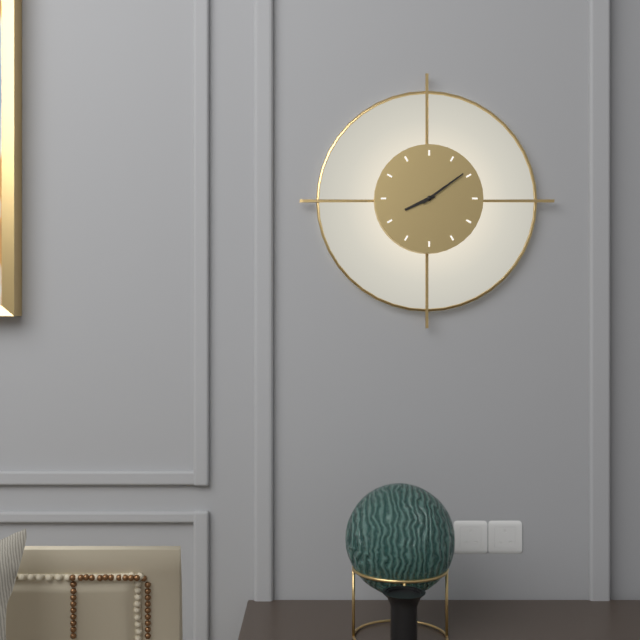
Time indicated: 8:09
